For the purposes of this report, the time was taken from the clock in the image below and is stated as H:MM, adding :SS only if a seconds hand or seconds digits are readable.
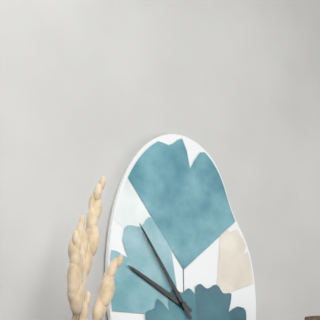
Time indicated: 9:54
